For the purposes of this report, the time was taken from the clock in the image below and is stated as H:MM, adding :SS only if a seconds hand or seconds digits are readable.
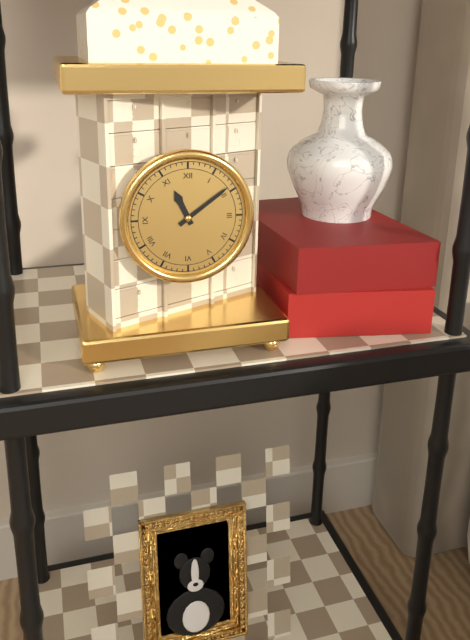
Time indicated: 11:09
